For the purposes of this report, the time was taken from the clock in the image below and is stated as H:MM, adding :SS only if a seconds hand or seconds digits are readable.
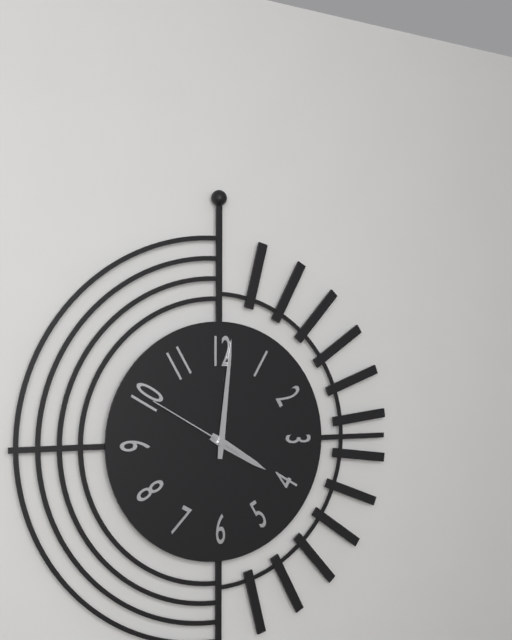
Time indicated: 4:01:50
